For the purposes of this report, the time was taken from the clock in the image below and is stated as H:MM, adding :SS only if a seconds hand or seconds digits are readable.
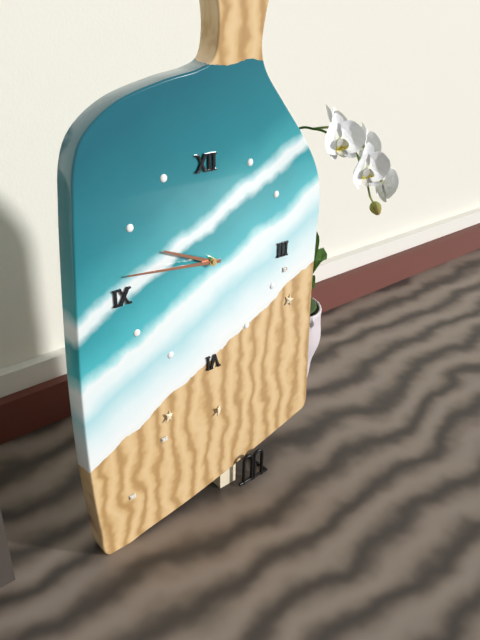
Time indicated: 9:46
